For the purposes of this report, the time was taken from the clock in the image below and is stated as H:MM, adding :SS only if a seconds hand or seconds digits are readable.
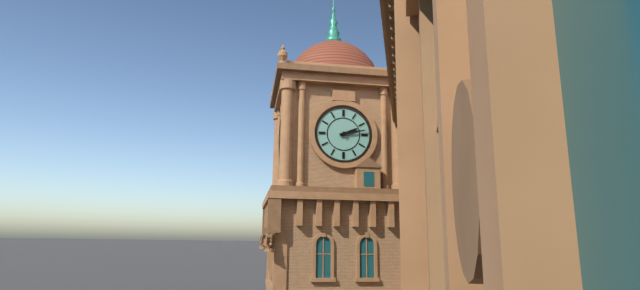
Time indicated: 2:13
